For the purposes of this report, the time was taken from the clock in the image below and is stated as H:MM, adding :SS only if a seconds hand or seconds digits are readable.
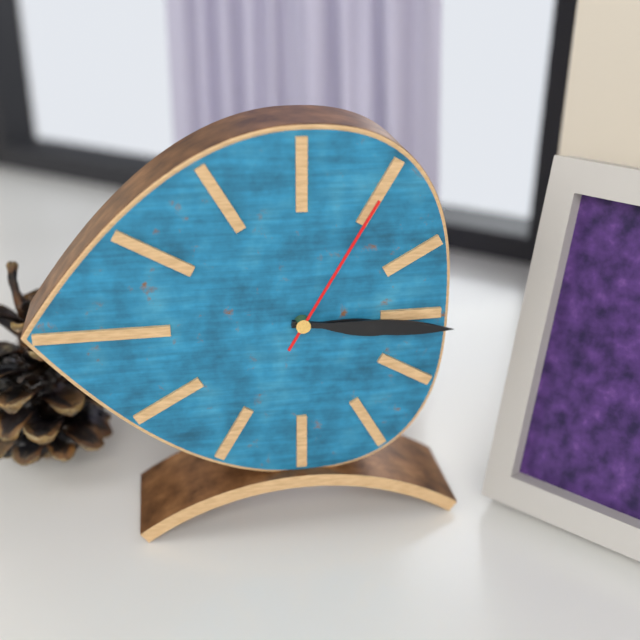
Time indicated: 3:16:05
